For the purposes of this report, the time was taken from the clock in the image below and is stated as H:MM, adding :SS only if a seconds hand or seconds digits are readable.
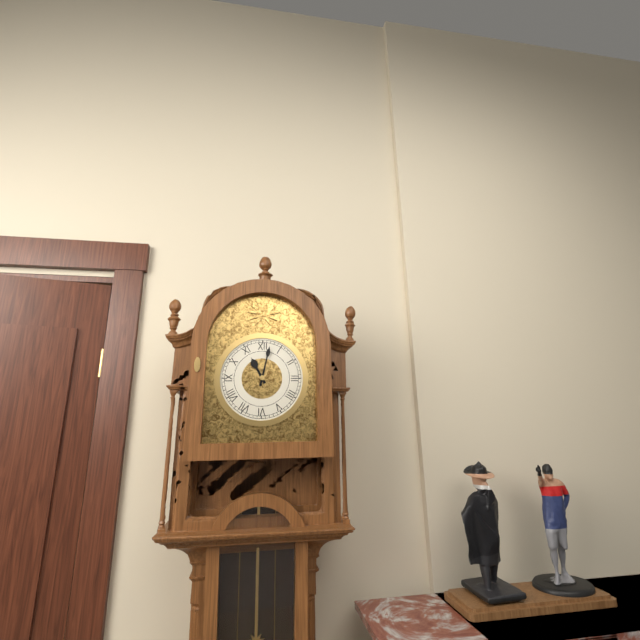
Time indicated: 11:02
